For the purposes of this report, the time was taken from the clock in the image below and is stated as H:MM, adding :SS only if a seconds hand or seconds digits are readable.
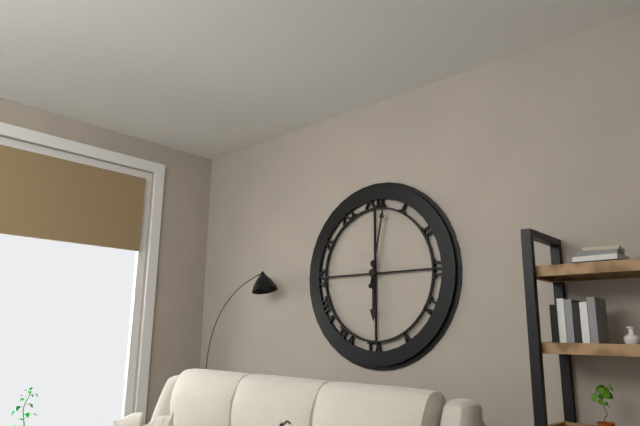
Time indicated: 6:02
